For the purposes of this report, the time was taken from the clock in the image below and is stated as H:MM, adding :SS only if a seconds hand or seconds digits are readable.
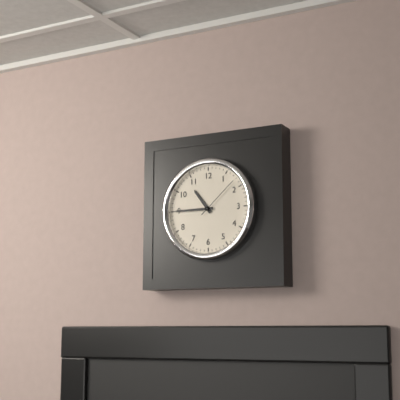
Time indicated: 10:45
